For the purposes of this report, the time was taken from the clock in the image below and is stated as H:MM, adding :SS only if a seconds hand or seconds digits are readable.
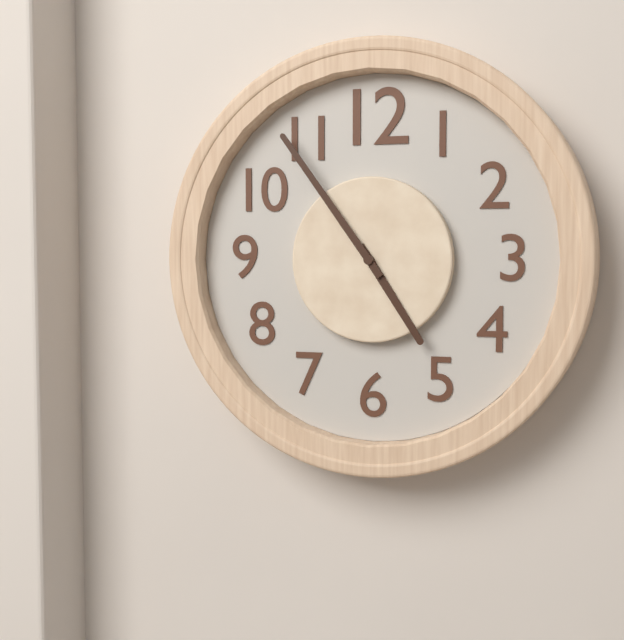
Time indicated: 4:54
